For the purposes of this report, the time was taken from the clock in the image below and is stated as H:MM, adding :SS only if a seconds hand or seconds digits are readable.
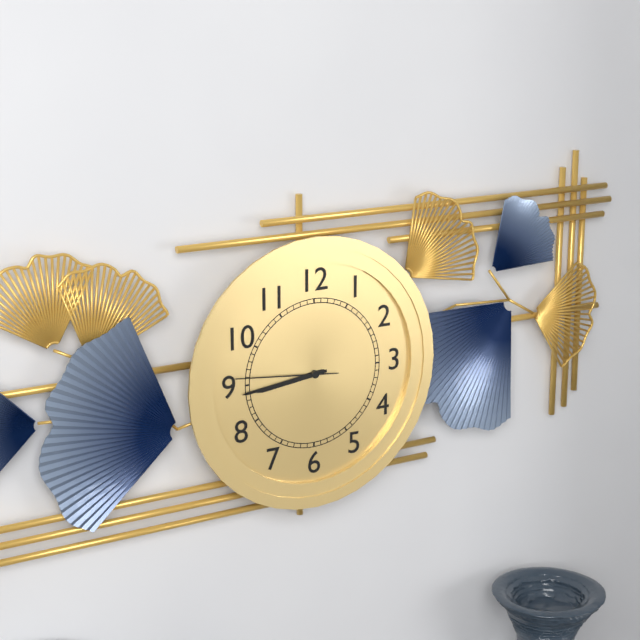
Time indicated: 8:44:46
